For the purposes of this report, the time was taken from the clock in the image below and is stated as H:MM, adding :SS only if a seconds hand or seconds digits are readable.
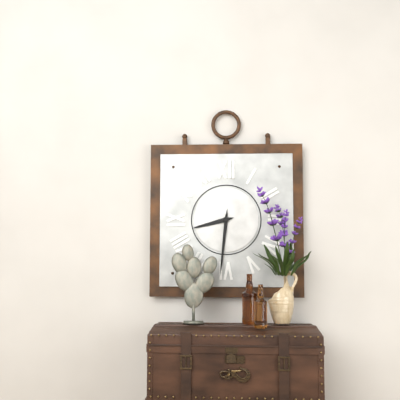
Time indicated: 8:31
